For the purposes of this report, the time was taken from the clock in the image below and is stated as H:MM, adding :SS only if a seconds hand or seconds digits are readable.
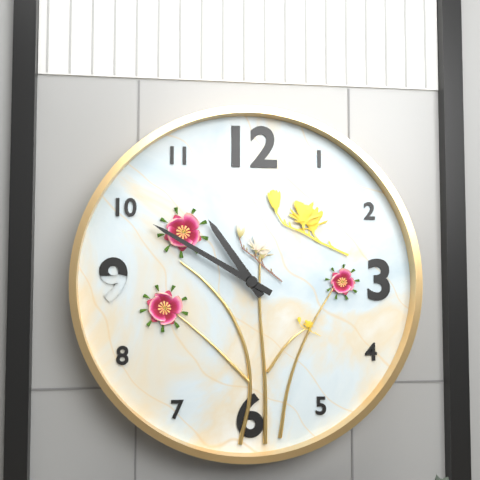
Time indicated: 10:50
